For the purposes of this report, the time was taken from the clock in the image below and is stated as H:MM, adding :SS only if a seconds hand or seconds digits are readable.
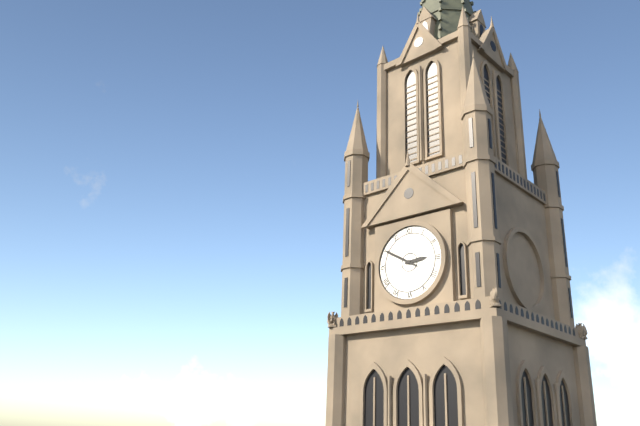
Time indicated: 2:50
